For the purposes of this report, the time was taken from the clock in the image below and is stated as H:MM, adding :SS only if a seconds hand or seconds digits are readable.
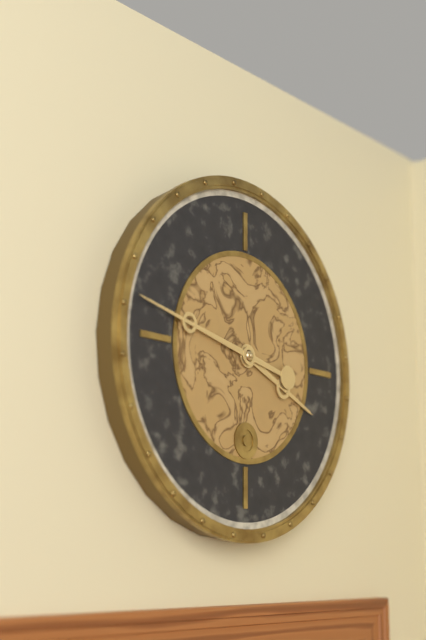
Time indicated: 3:47
